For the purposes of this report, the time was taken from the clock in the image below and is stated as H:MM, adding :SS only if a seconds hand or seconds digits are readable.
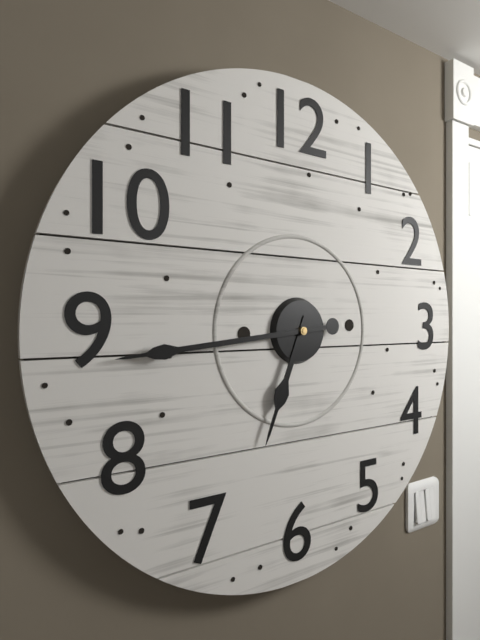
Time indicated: 6:44
